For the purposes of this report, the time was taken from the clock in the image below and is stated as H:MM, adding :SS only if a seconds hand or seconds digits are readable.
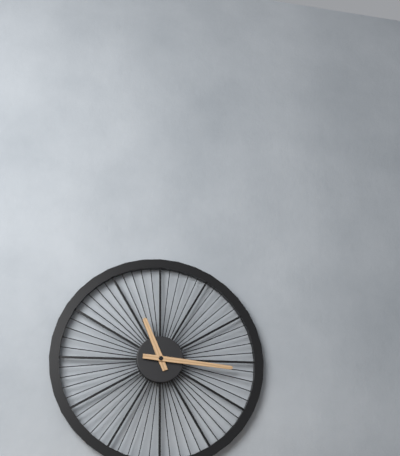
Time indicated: 11:16
